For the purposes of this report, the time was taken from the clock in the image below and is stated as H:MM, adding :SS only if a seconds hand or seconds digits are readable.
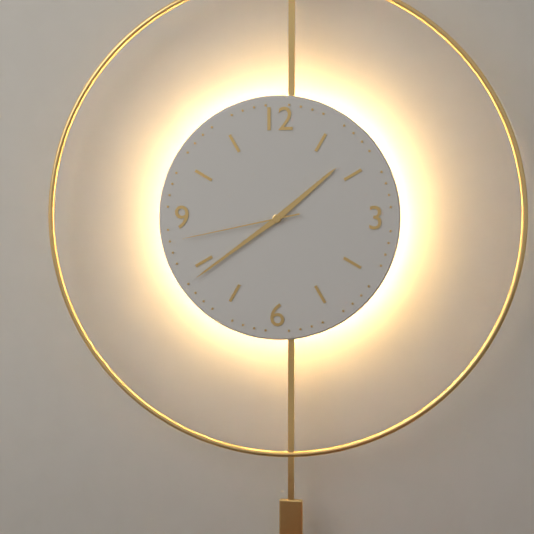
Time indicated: 1:39:43
